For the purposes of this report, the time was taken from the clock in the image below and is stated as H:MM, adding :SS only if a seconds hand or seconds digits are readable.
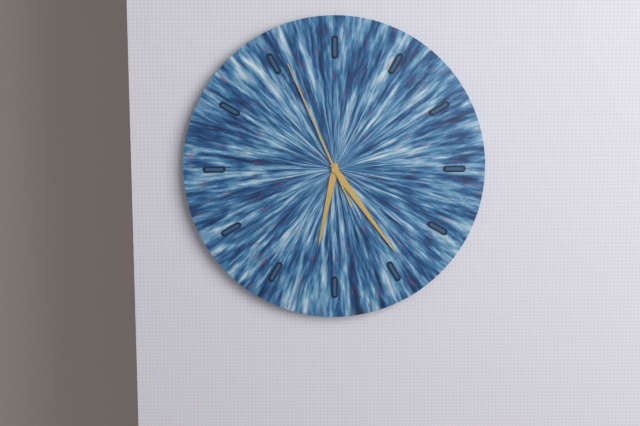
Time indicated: 6:24:56
